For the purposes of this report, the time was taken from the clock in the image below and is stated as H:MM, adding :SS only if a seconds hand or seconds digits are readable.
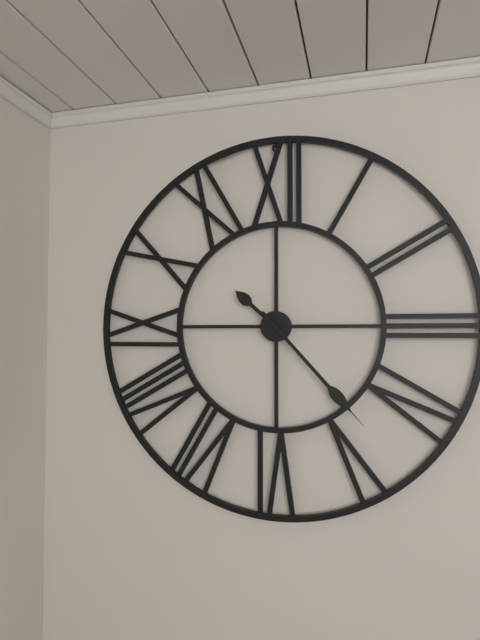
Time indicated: 10:23
